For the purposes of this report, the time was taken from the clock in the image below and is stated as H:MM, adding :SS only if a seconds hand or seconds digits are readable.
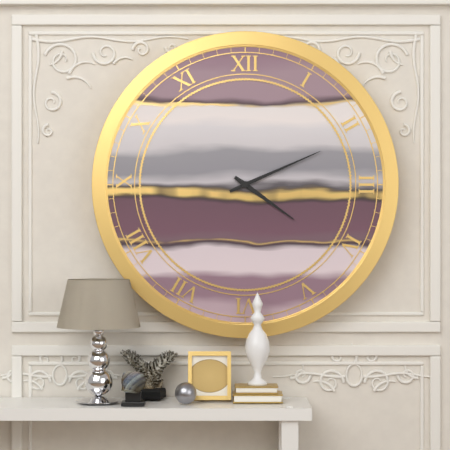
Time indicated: 4:11
